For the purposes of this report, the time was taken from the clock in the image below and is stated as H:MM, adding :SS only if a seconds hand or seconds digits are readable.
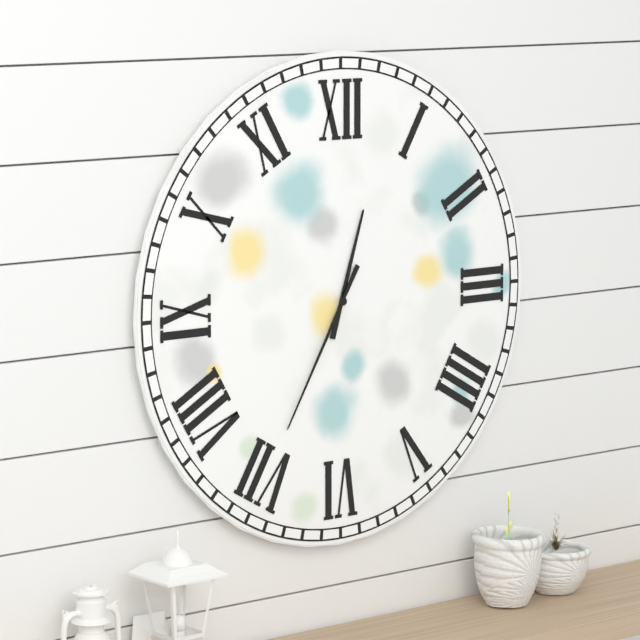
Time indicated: 12:35
